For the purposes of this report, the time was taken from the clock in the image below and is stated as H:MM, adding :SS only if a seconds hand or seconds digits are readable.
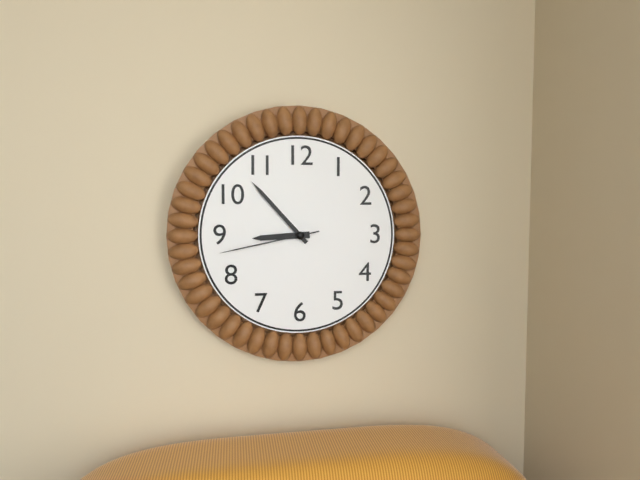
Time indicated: 8:53:43
